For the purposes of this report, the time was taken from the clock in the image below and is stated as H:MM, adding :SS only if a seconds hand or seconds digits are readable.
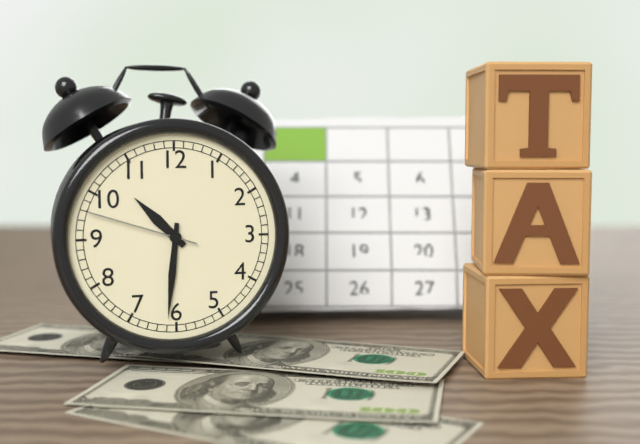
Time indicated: 10:31:48
